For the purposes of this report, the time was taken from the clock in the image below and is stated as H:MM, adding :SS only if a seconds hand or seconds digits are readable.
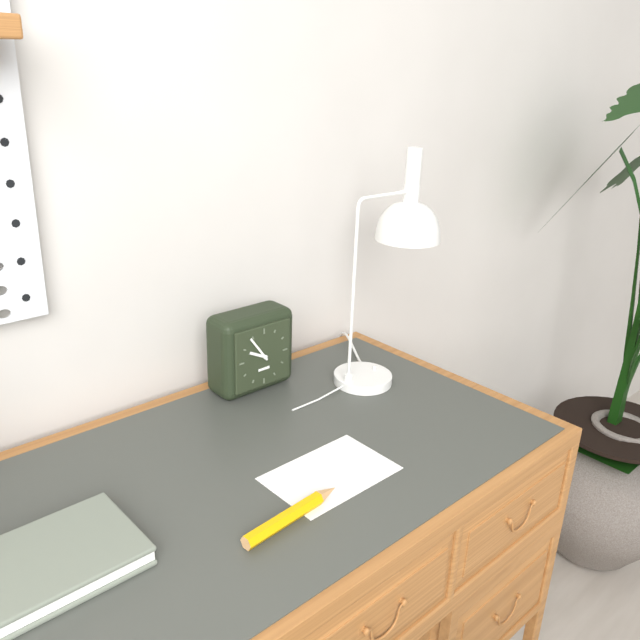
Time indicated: 9:54
